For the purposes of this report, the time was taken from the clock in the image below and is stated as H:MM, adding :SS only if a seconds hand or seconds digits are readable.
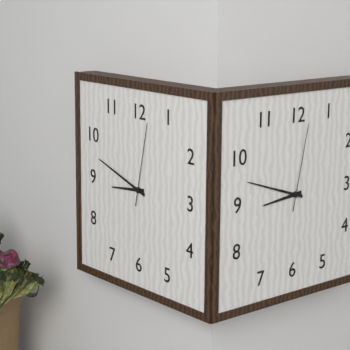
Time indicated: 8:48:02
